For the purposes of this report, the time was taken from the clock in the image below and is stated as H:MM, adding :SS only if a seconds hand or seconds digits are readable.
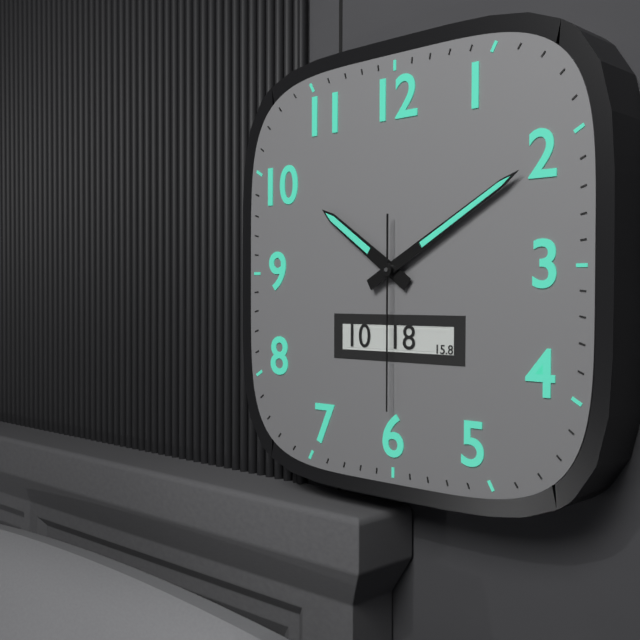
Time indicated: 10:10:30
